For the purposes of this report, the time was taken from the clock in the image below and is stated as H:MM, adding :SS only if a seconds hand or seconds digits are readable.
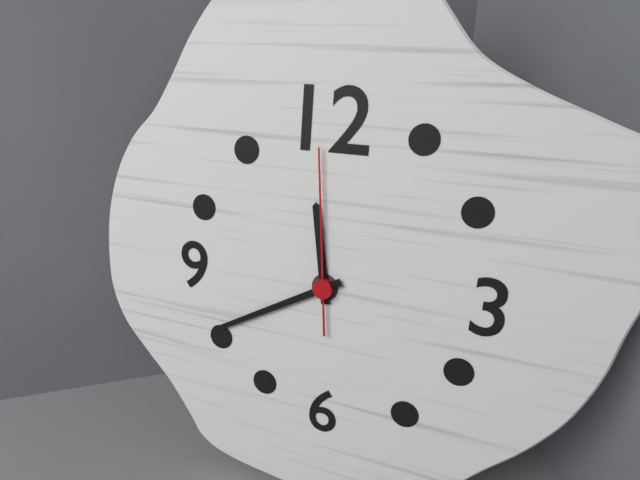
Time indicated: 11:40:59
